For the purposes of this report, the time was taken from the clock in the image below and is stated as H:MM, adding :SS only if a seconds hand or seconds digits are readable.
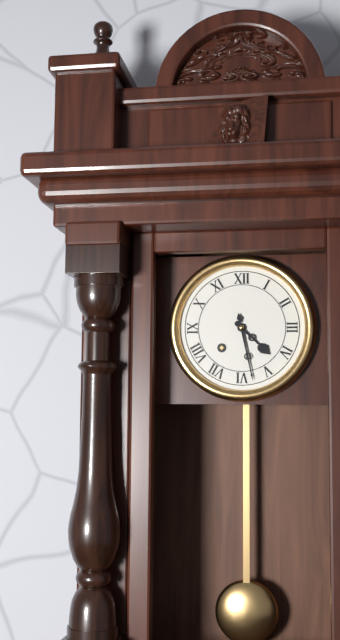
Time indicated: 4:28
